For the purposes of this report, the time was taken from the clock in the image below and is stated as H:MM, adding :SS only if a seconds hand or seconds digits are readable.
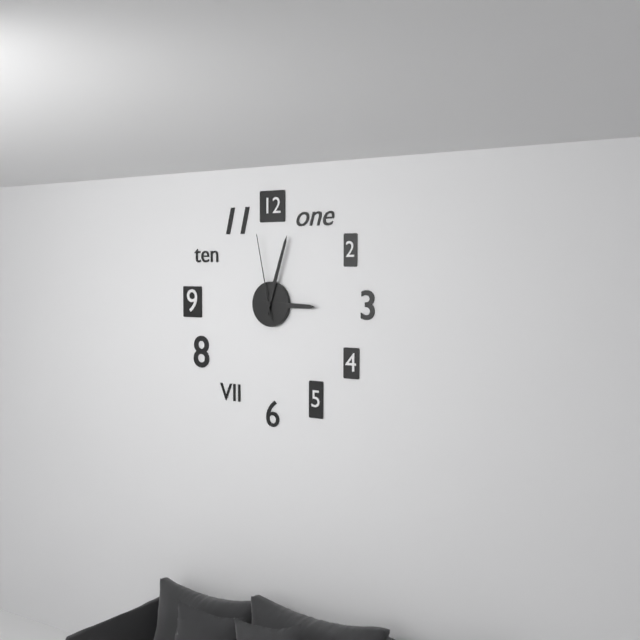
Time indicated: 3:03:58
